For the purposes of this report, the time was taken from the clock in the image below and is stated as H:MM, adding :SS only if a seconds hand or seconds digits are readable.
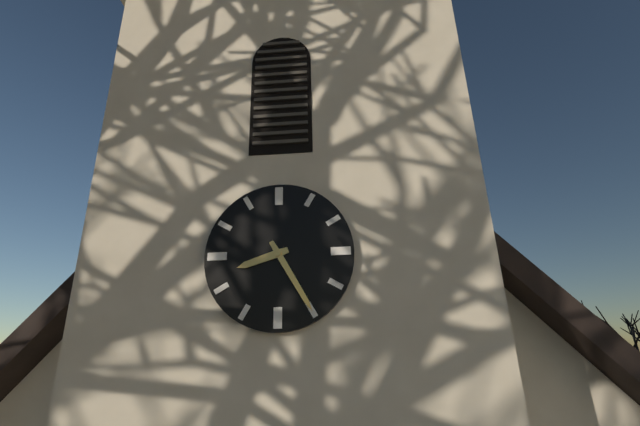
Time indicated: 8:25
